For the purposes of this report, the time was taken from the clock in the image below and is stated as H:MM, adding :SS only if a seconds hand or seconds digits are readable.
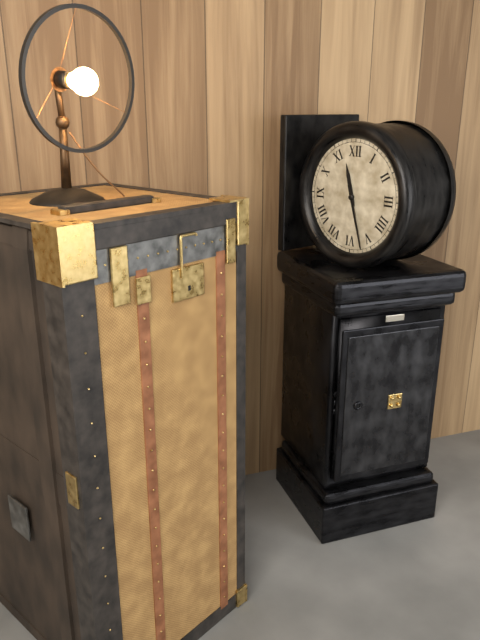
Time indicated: 11:27
